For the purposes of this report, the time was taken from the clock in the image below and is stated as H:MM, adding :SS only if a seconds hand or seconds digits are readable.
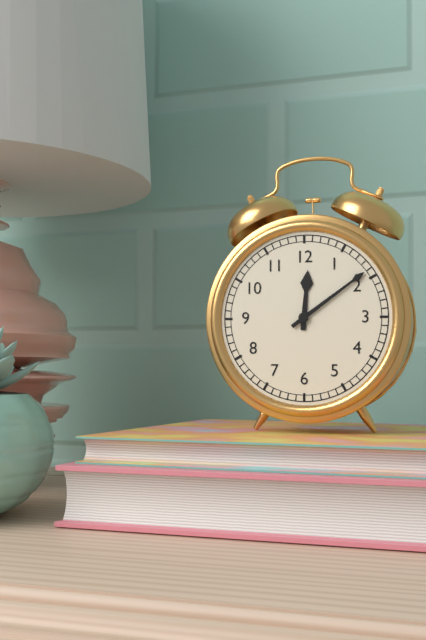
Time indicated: 12:09
